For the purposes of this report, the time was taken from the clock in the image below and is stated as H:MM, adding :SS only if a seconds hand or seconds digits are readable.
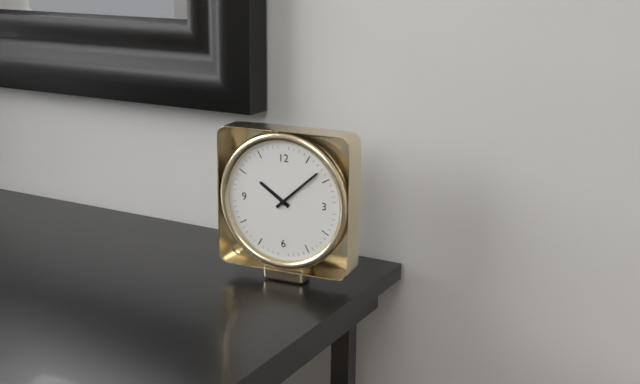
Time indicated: 10:08
